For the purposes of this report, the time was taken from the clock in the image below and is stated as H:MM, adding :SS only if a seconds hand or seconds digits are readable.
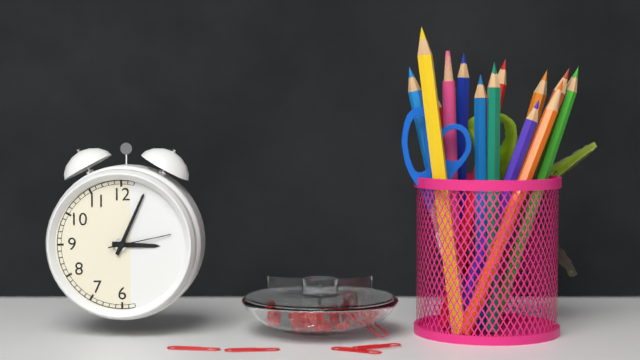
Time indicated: 3:04:13
